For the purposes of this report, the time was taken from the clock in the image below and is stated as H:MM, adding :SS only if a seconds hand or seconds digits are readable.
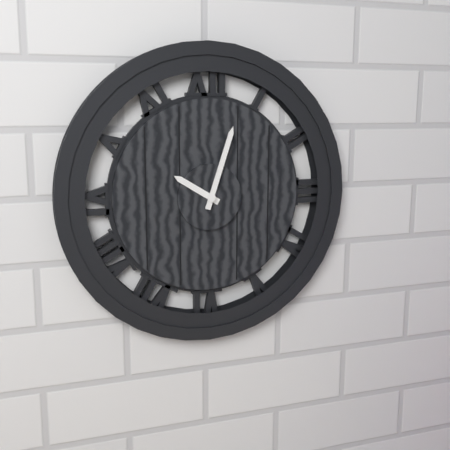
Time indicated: 10:03
